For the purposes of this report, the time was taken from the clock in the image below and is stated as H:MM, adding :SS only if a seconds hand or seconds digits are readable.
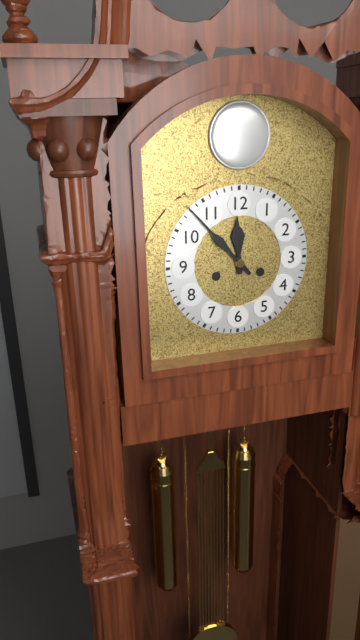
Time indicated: 11:53
